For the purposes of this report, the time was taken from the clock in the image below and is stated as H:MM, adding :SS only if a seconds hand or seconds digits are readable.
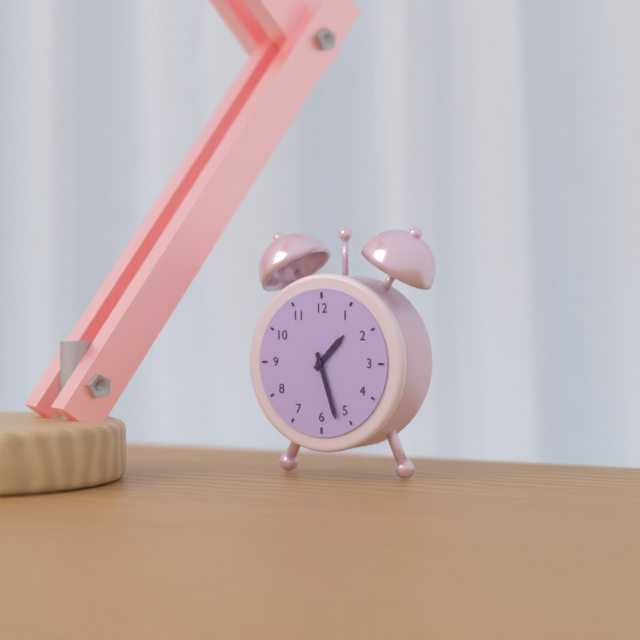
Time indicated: 1:27
